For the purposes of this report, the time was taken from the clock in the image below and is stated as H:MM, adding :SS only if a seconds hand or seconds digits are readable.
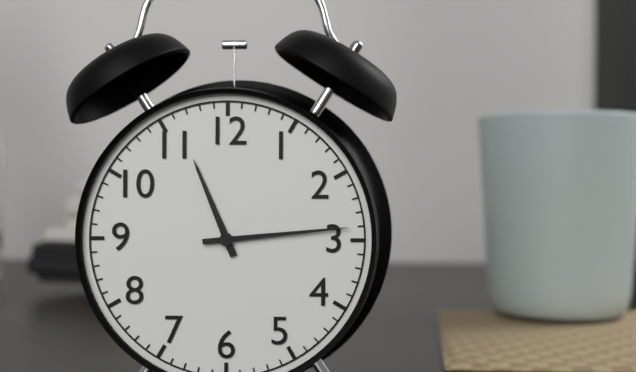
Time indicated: 11:14
